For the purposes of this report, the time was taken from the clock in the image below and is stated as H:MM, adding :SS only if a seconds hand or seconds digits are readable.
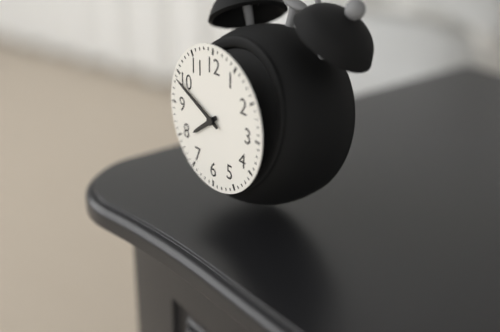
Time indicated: 7:49
